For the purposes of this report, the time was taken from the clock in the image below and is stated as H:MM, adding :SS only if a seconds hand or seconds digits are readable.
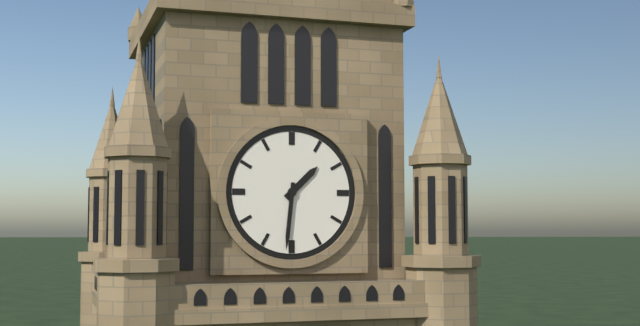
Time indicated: 1:31
